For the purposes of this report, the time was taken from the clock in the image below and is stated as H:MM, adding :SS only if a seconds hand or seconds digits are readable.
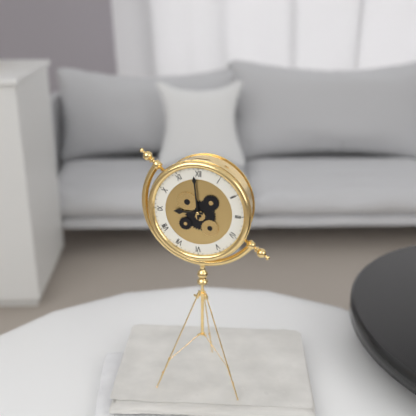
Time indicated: 8:59
